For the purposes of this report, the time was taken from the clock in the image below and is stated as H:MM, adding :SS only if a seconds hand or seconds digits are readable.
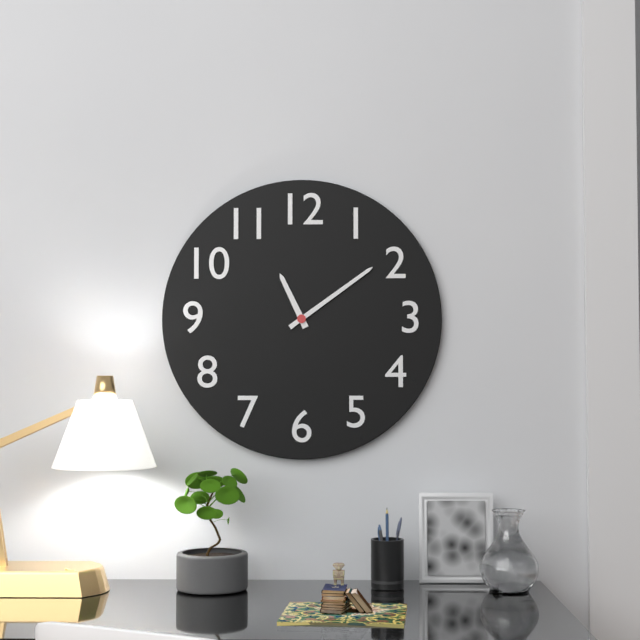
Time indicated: 11:09
